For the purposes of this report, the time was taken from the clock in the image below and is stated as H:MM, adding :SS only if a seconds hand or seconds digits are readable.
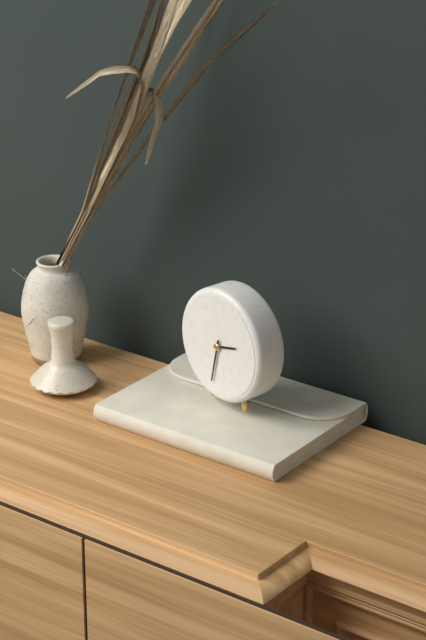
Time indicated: 2:32
